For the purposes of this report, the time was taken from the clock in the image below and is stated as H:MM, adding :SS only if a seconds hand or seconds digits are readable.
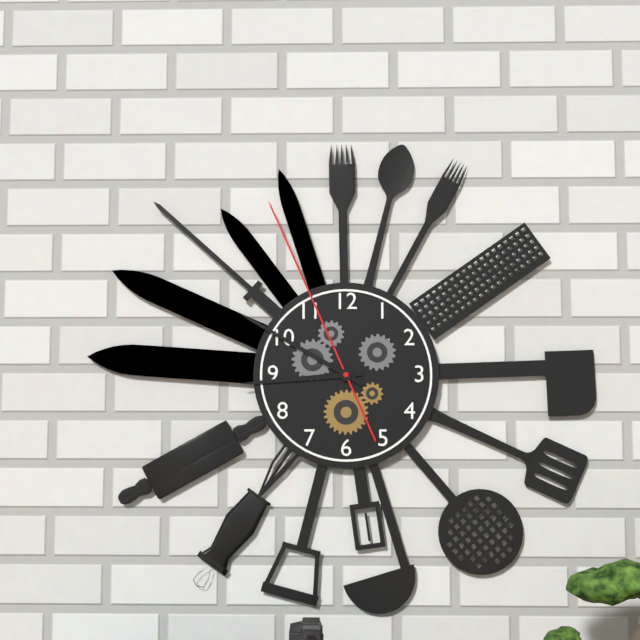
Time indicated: 8:50:56
